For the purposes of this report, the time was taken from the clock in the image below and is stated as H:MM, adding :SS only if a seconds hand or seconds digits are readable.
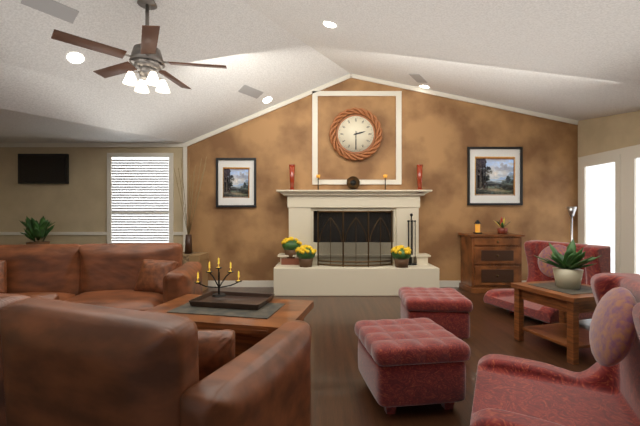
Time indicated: 2:30
